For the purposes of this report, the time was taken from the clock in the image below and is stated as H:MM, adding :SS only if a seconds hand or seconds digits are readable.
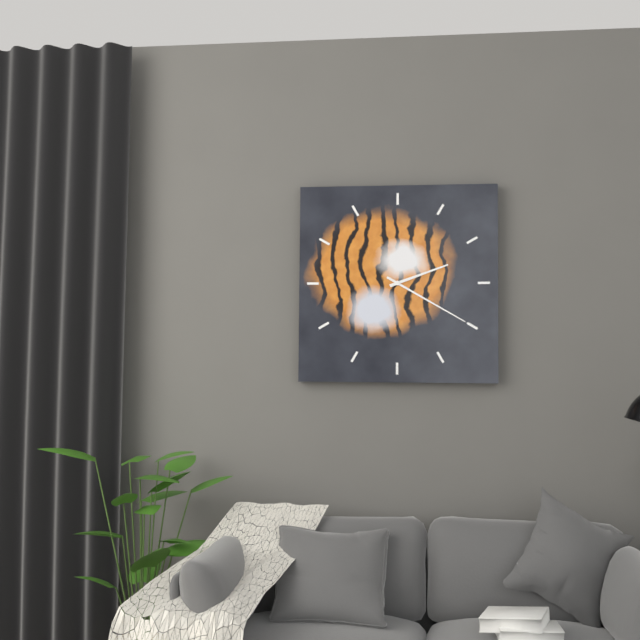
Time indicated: 2:20
